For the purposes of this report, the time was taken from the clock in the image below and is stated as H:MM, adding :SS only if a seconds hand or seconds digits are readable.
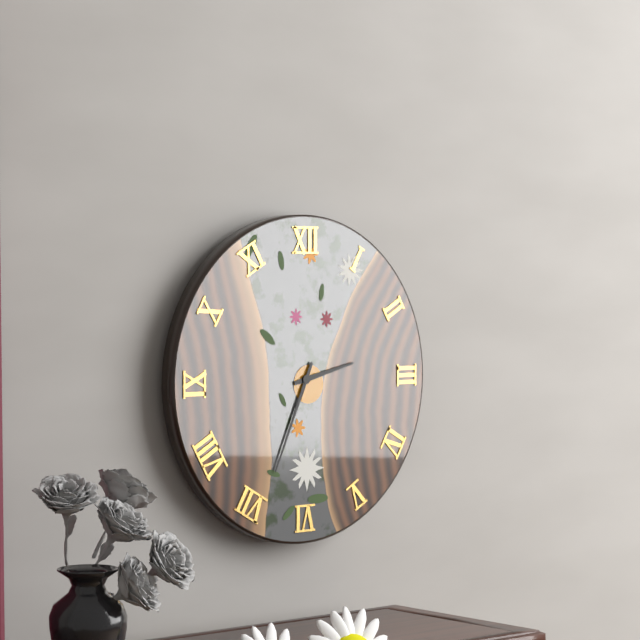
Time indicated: 2:34
